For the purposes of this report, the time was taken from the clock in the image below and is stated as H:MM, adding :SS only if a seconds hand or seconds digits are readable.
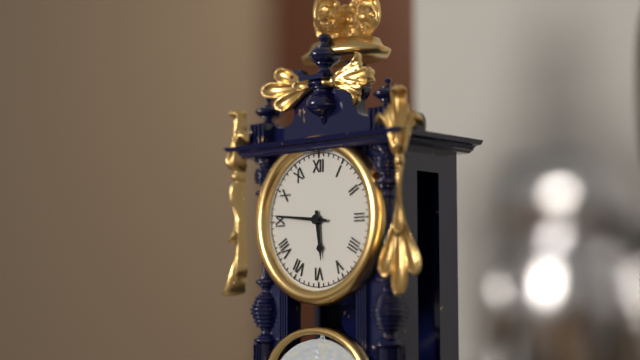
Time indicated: 5:46
